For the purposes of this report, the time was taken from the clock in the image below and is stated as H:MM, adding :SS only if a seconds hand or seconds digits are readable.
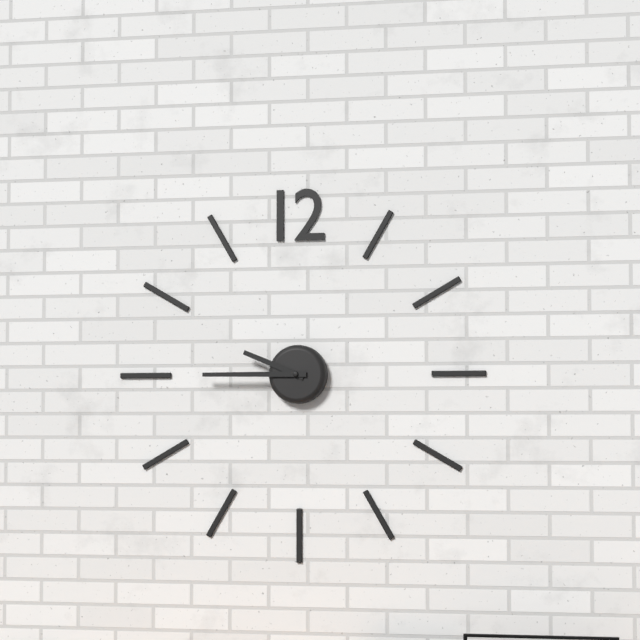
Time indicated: 9:45
